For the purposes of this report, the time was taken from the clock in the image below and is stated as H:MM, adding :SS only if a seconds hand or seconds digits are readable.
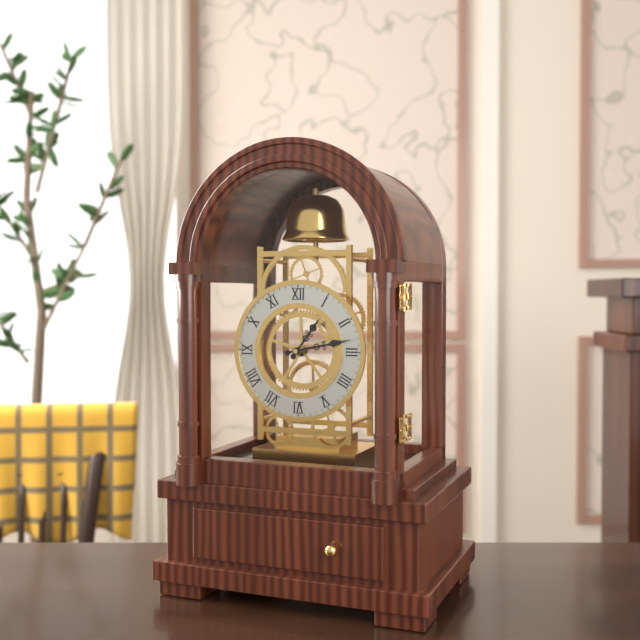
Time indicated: 1:13
